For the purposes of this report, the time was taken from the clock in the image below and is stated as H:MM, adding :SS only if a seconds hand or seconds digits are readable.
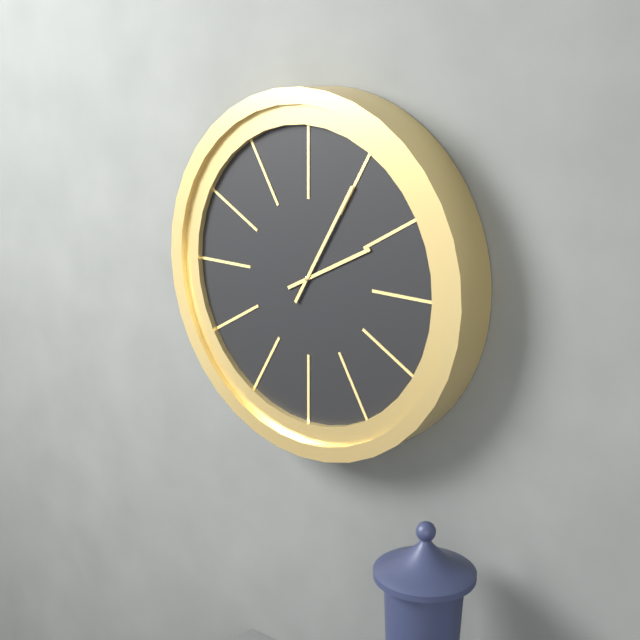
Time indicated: 2:05
